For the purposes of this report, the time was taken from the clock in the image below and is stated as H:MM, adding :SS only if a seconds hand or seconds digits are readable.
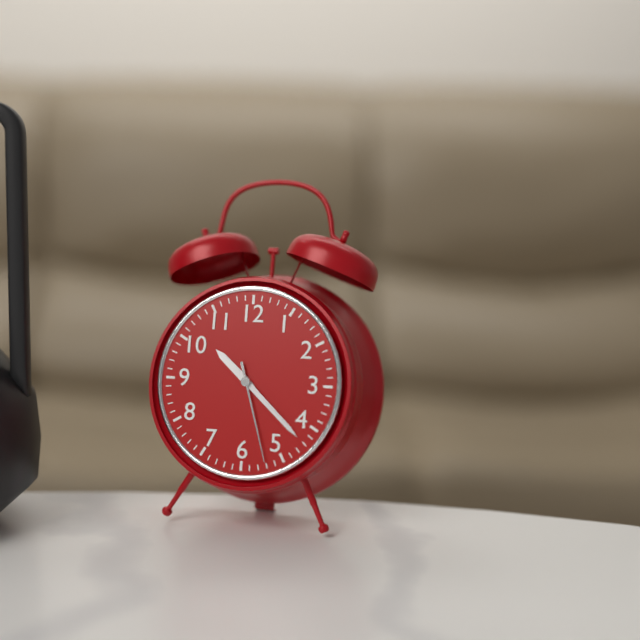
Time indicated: 10:22:27
